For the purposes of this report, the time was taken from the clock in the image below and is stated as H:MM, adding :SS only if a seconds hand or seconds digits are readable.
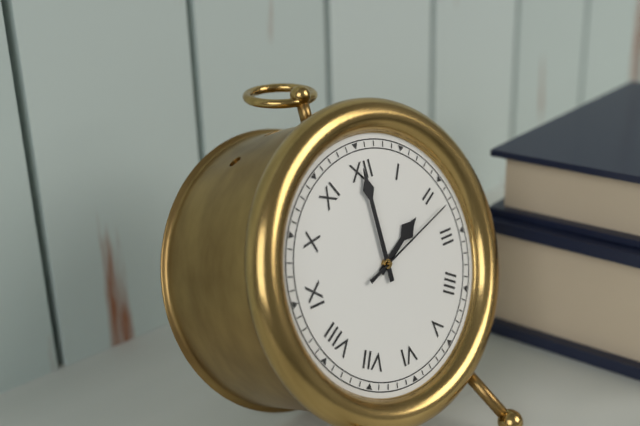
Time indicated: 2:00:12
